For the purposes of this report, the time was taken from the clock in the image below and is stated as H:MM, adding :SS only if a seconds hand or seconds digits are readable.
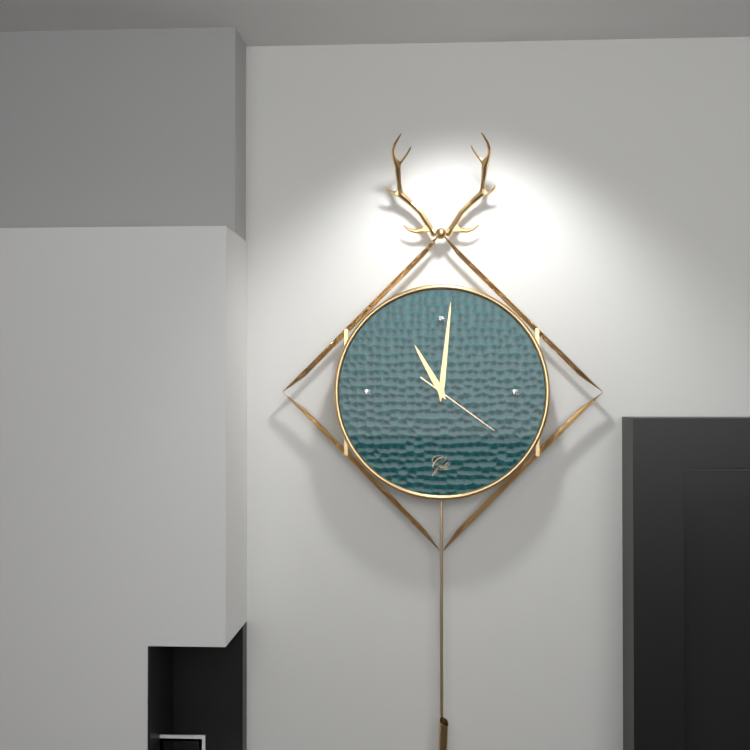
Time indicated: 11:01:21
